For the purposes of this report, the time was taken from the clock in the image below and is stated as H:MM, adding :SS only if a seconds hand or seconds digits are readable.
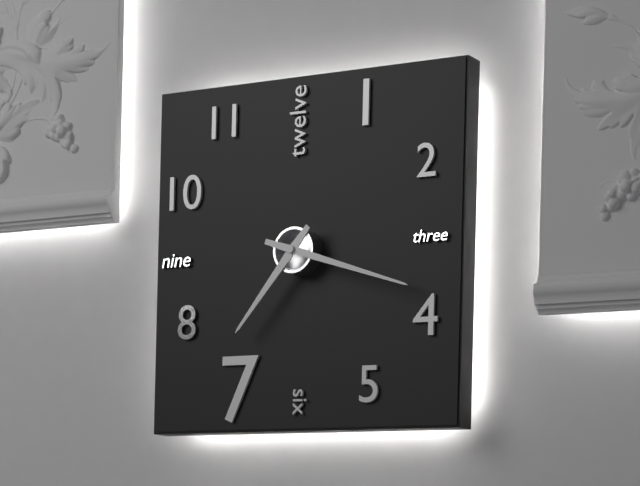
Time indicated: 7:18
